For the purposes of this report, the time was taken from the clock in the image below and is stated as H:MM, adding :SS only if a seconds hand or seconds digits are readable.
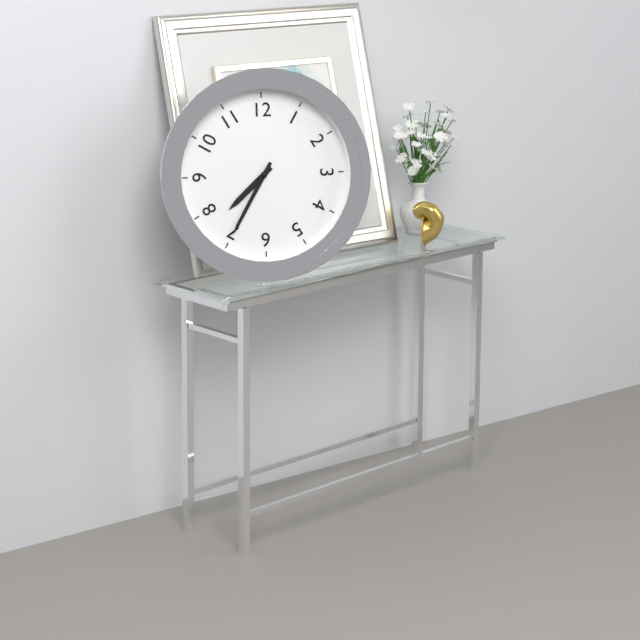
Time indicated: 7:35
